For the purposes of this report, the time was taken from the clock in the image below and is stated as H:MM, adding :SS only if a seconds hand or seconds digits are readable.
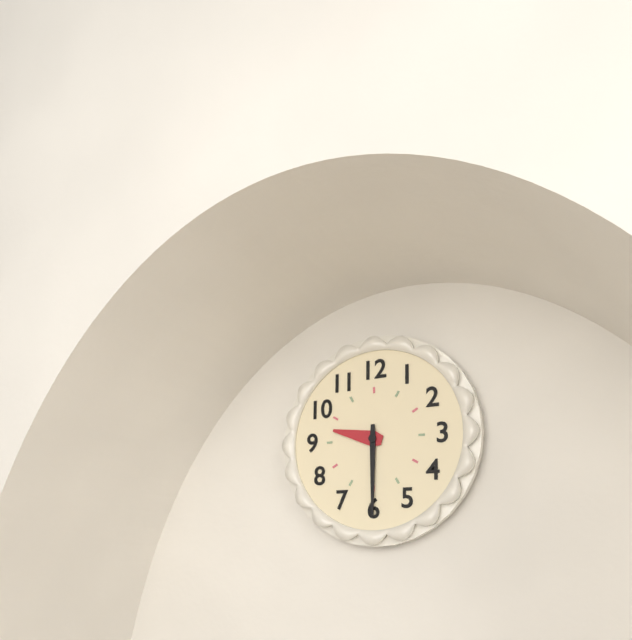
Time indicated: 9:30
